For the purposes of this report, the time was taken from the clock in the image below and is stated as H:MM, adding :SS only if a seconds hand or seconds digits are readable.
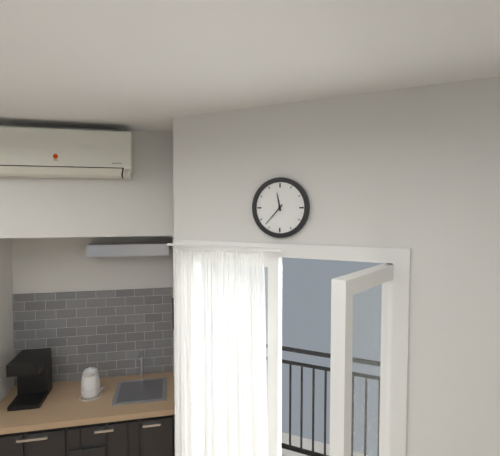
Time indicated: 11:37
